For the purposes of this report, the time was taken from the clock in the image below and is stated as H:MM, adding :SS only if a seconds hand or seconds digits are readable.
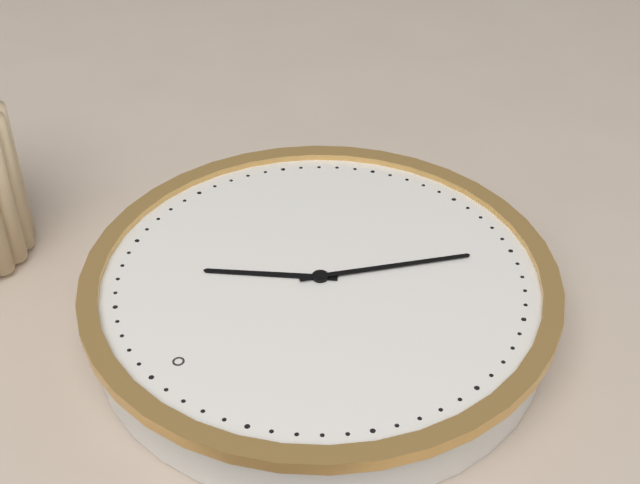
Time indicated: 1:35
